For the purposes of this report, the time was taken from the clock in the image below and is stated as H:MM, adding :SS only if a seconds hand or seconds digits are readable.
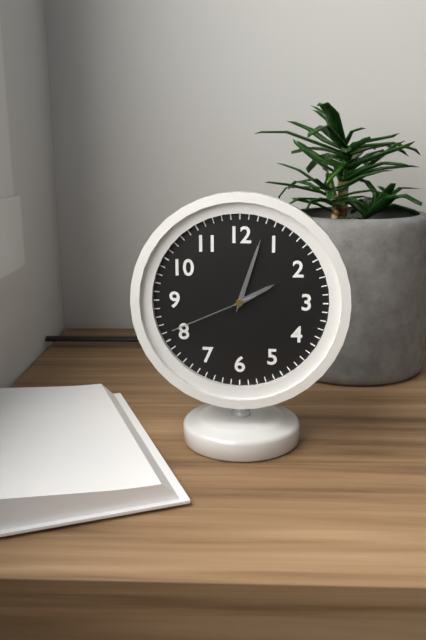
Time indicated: 2:03:41
